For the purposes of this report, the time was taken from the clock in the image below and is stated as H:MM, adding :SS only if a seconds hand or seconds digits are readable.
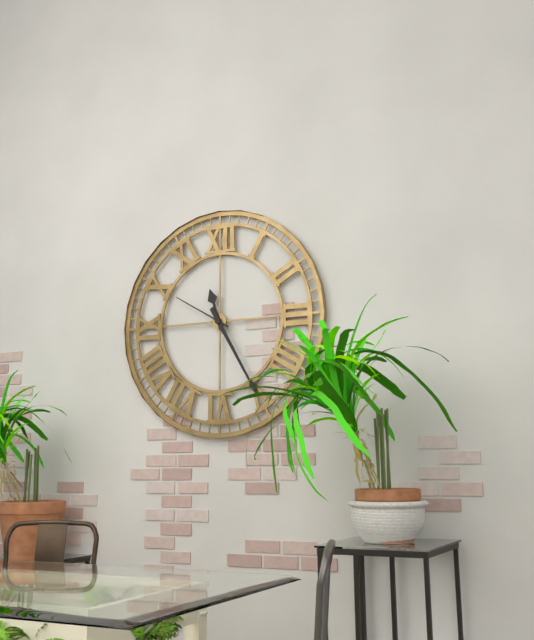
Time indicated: 11:25:50
